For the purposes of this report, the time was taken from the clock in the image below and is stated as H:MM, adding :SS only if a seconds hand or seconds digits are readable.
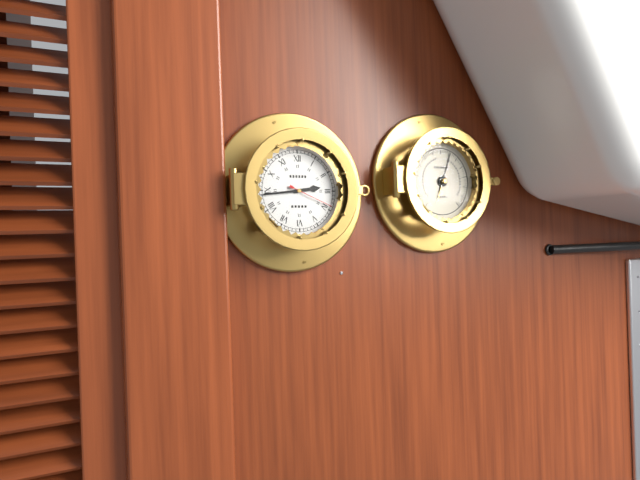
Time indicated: 2:44
